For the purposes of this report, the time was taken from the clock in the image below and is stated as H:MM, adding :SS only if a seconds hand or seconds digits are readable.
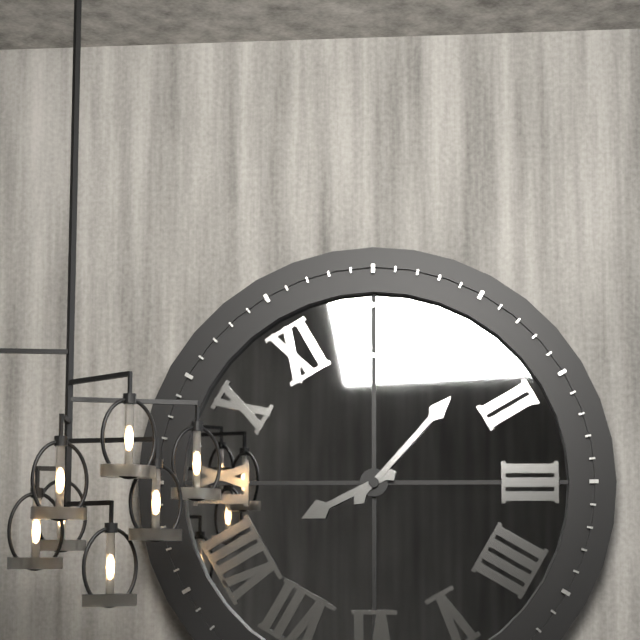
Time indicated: 8:07
